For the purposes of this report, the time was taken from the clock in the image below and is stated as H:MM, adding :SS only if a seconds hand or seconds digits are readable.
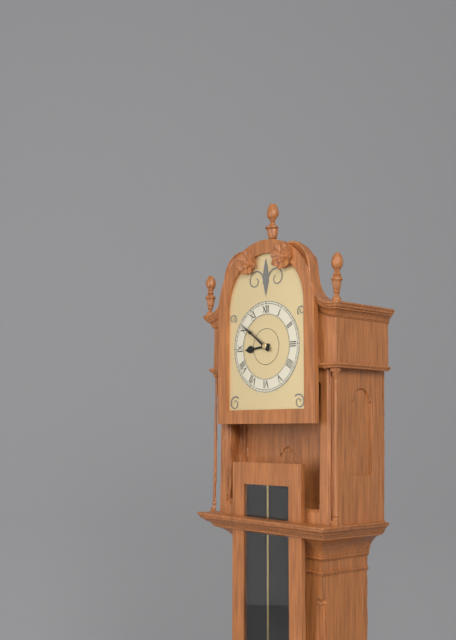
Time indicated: 8:51
